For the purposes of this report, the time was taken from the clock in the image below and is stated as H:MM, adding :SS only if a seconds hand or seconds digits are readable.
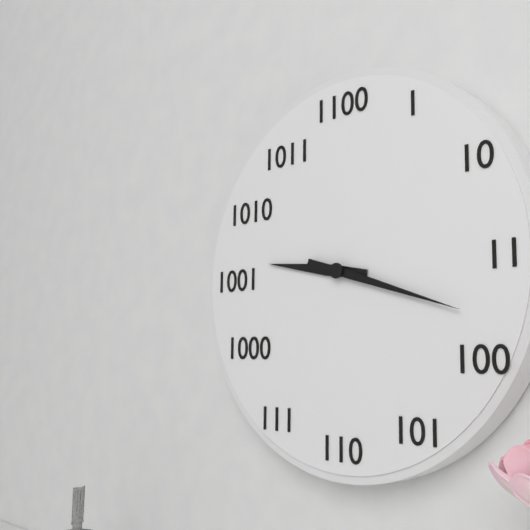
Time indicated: 9:18
